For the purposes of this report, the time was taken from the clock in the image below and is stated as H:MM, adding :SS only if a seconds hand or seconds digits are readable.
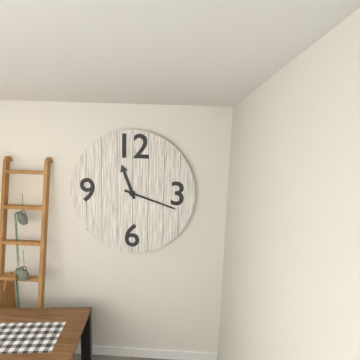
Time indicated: 11:18
